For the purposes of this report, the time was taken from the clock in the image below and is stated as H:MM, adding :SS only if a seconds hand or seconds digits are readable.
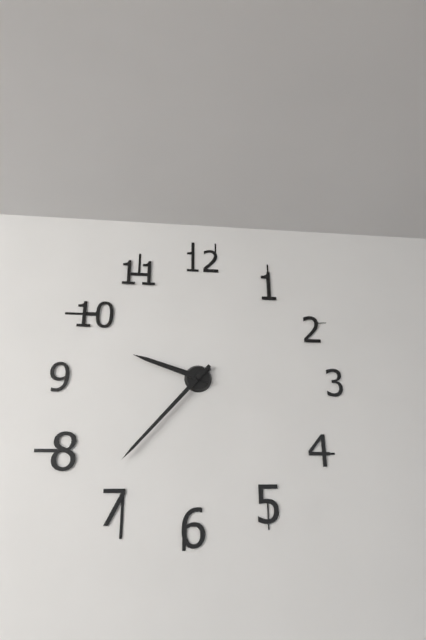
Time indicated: 9:37
